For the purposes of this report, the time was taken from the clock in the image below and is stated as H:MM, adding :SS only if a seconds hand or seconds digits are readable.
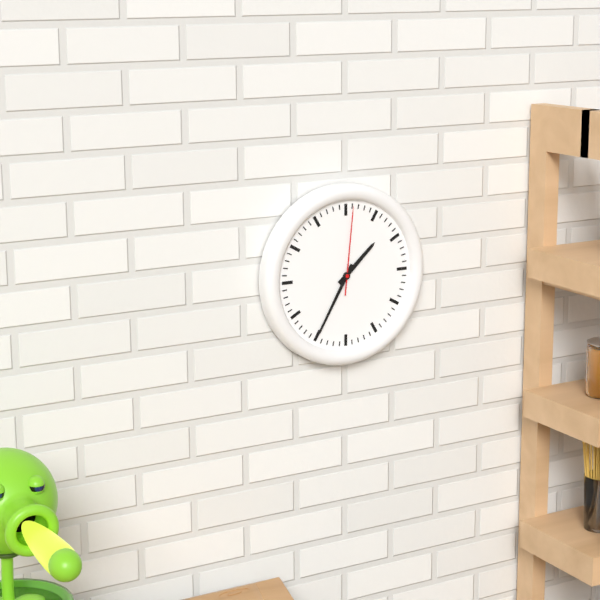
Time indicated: 1:35:01
